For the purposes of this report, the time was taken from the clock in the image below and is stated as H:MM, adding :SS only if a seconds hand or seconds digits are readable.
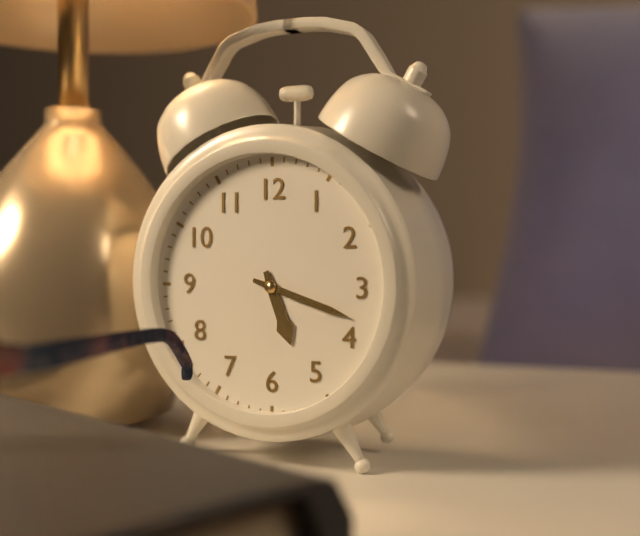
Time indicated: 5:18
